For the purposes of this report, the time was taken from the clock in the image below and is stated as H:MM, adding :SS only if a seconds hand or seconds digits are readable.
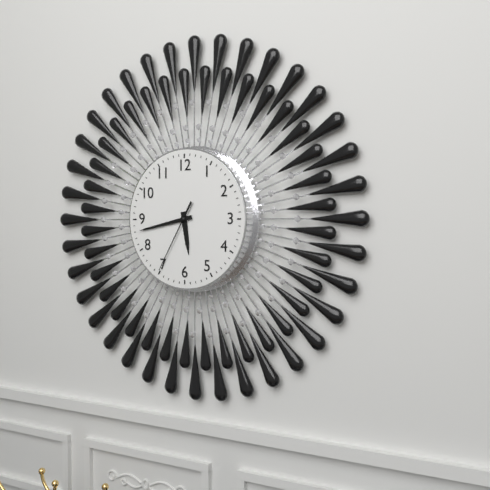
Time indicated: 5:43:35
